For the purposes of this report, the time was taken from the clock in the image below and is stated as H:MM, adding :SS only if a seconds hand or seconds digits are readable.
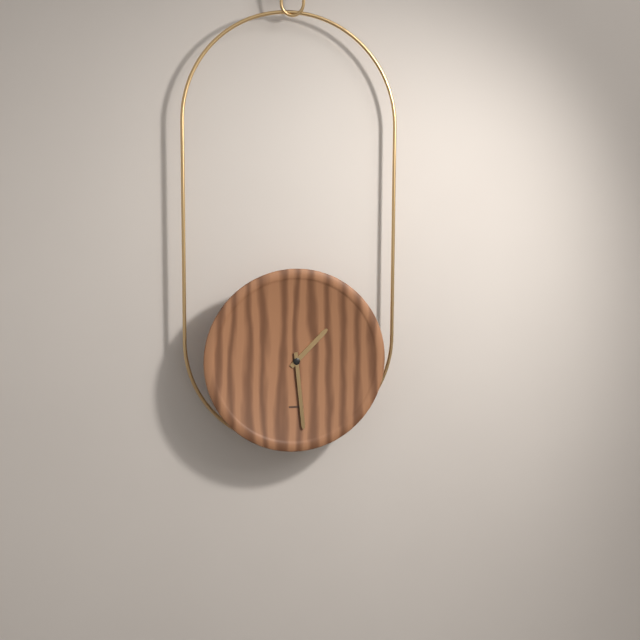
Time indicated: 1:29
